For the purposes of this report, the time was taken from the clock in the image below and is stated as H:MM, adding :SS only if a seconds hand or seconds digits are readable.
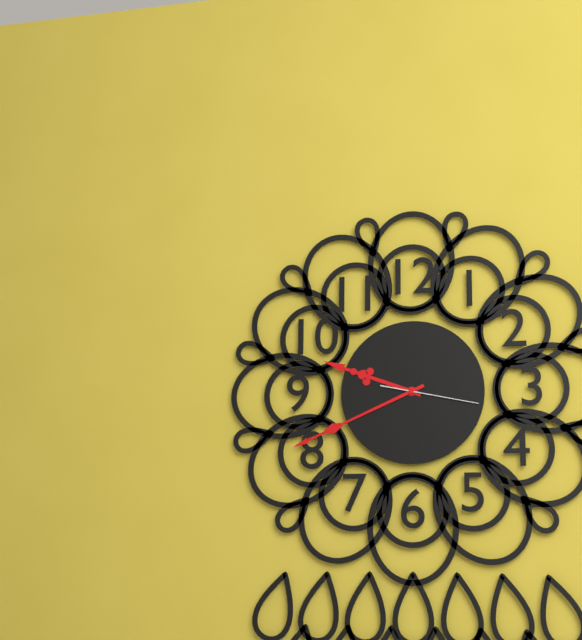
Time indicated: 9:41:17
